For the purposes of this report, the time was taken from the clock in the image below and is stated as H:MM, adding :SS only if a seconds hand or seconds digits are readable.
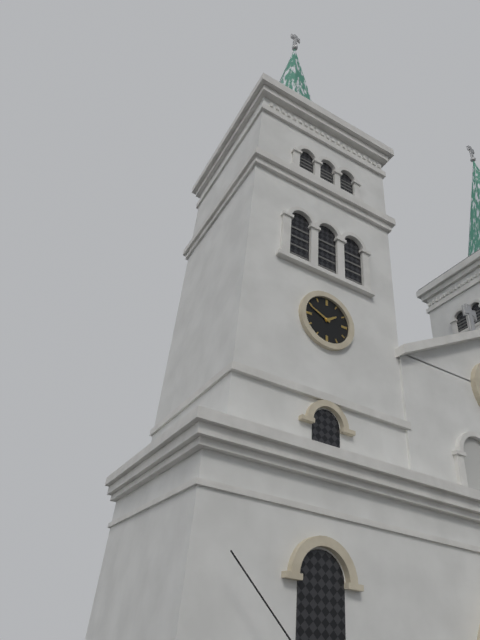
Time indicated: 1:49
